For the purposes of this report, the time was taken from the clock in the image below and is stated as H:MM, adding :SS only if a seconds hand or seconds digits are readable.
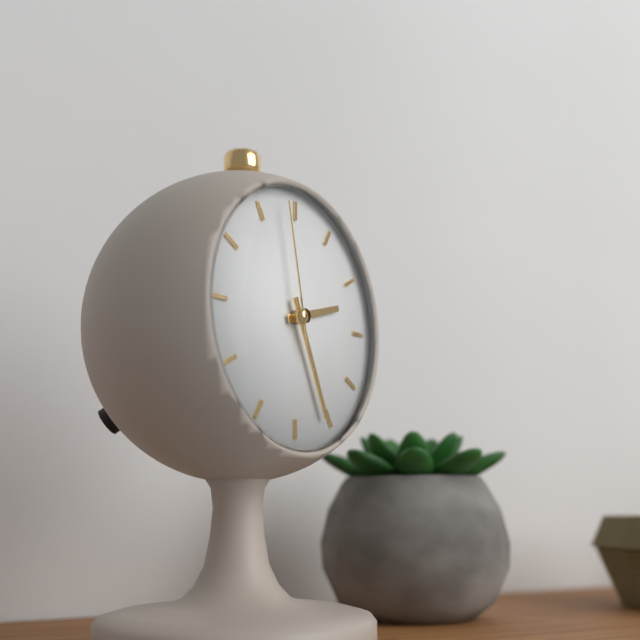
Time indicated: 2:26:58
